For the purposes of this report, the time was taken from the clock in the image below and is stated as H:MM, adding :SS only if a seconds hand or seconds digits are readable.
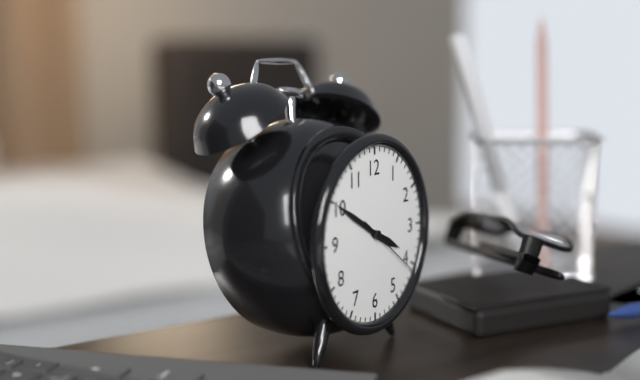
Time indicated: 3:50:21
